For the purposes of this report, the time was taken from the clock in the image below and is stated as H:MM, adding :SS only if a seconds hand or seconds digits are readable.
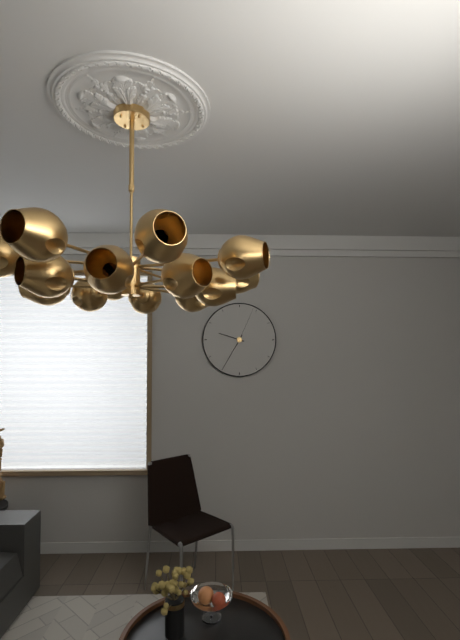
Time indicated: 9:35
